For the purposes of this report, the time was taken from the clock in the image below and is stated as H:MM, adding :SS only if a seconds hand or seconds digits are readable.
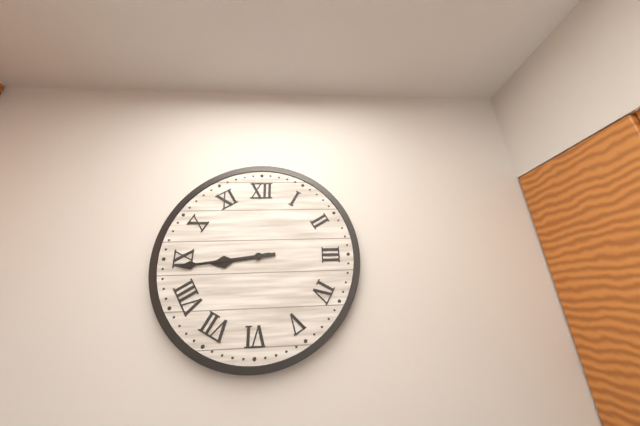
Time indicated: 8:44
